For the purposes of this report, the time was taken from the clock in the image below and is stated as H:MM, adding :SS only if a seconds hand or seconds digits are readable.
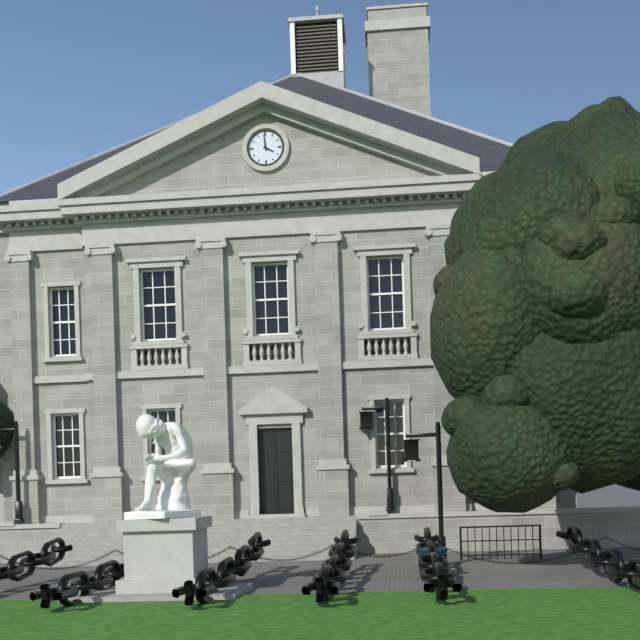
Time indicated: 3:59
